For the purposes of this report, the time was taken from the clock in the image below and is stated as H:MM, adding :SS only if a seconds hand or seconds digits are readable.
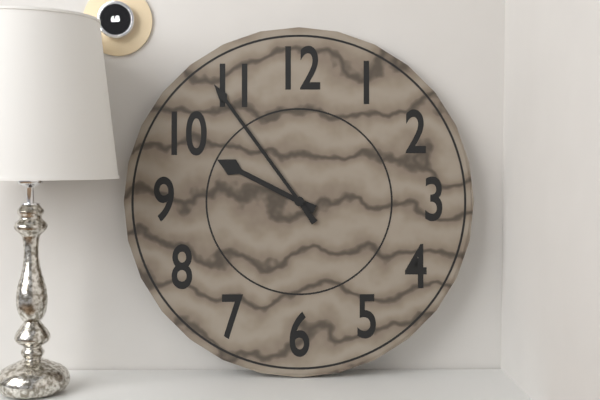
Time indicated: 9:54
